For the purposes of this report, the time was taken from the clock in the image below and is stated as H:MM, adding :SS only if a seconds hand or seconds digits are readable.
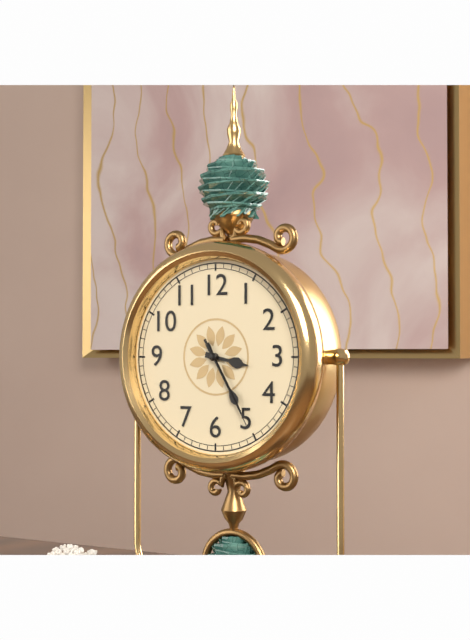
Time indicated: 3:25:25
